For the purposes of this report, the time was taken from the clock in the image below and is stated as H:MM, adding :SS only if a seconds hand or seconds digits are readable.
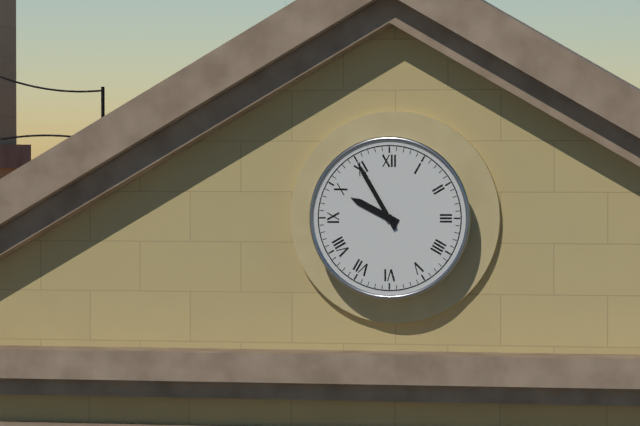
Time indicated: 9:55
